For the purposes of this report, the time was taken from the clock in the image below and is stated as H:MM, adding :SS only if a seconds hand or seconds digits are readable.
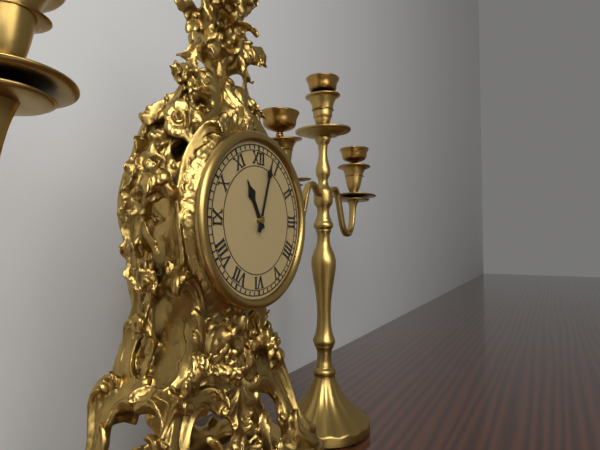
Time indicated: 11:03
